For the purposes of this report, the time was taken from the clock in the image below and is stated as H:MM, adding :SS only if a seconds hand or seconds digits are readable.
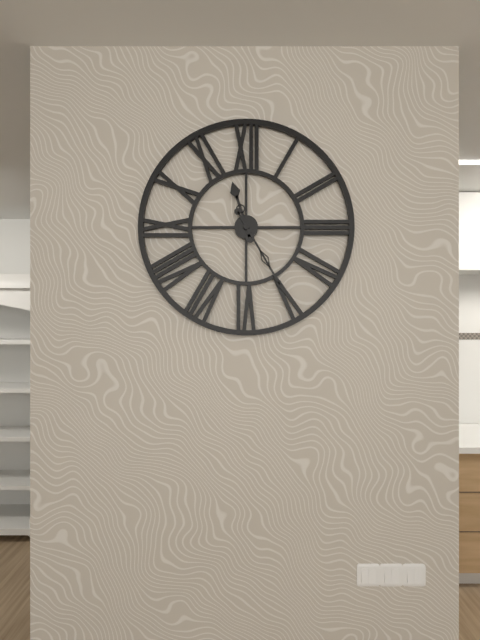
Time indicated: 11:25
